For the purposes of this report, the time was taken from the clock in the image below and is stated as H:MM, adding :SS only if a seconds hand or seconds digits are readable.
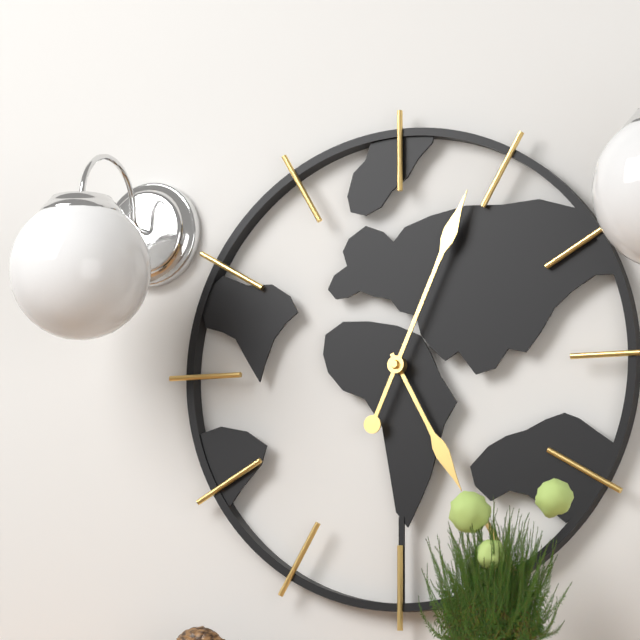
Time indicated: 5:04
